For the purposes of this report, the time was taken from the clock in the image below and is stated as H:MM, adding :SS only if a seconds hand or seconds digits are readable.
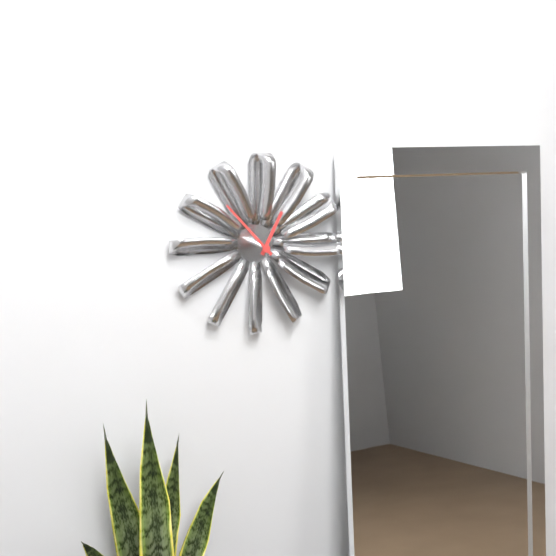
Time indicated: 12:53
